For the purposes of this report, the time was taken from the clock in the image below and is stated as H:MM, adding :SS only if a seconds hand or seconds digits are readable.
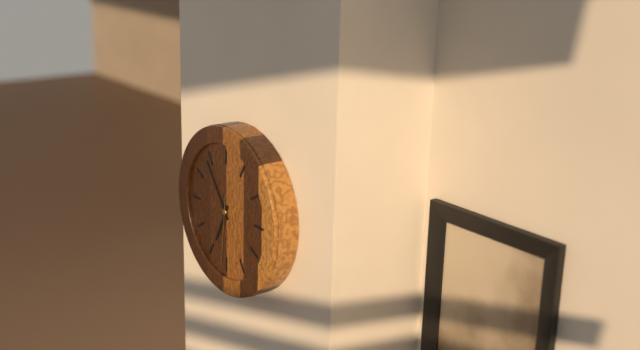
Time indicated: 6:54:31
